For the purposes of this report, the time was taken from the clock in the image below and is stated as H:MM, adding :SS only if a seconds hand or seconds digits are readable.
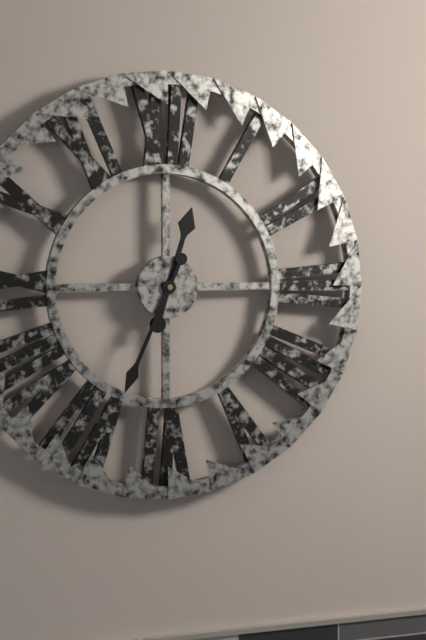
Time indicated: 12:34
